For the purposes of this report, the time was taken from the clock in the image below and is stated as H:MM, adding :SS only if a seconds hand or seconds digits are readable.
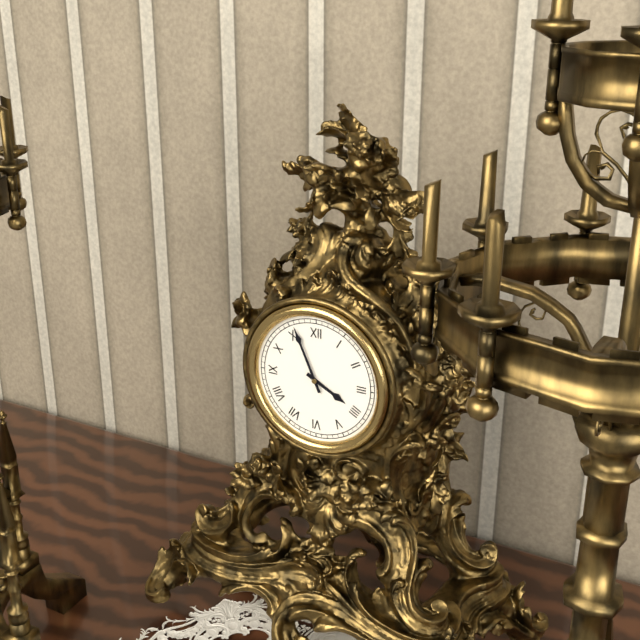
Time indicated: 3:56
